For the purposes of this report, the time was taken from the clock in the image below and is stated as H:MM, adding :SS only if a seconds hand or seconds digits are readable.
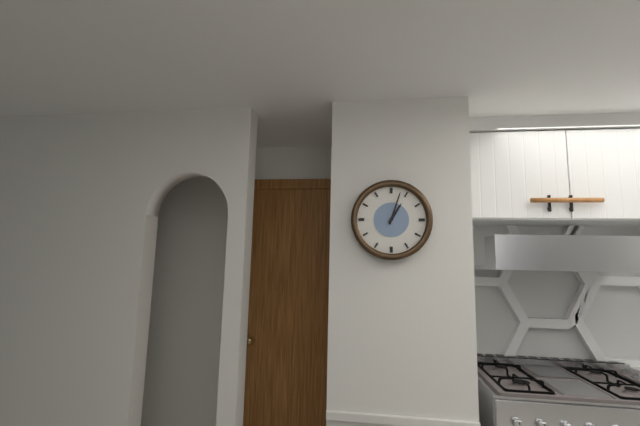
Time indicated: 1:03
